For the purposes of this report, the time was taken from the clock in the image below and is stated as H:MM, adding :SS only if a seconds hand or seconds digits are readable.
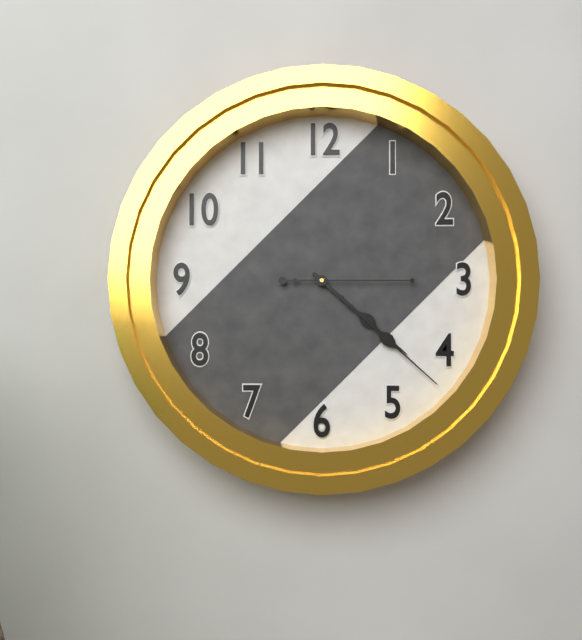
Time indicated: 4:22:15
